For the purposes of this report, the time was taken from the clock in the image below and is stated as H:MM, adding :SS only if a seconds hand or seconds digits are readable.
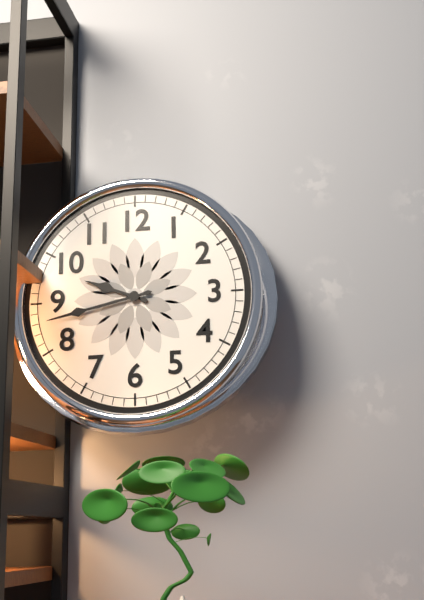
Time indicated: 9:43
